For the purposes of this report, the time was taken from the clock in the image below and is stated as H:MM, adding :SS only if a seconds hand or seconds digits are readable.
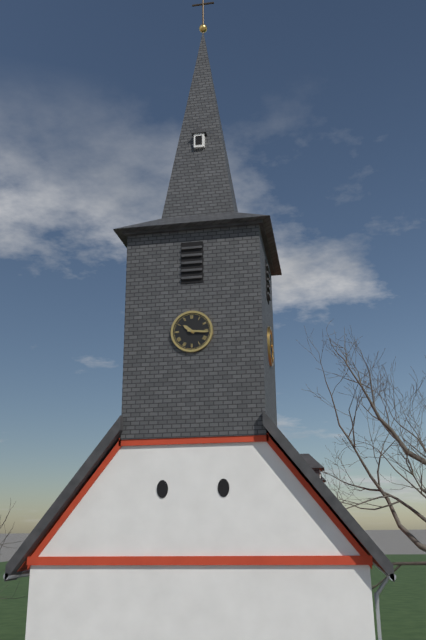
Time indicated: 10:16
